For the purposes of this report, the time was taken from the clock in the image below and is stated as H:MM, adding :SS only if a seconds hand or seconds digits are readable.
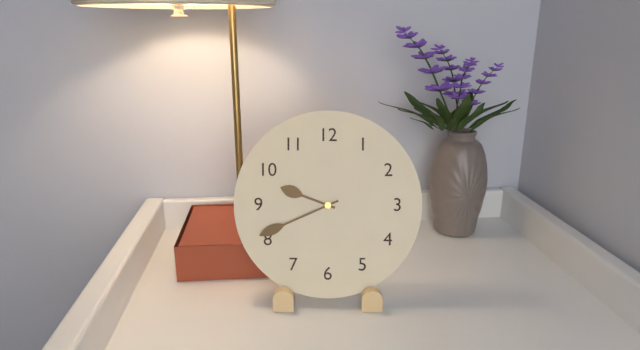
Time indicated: 9:41
